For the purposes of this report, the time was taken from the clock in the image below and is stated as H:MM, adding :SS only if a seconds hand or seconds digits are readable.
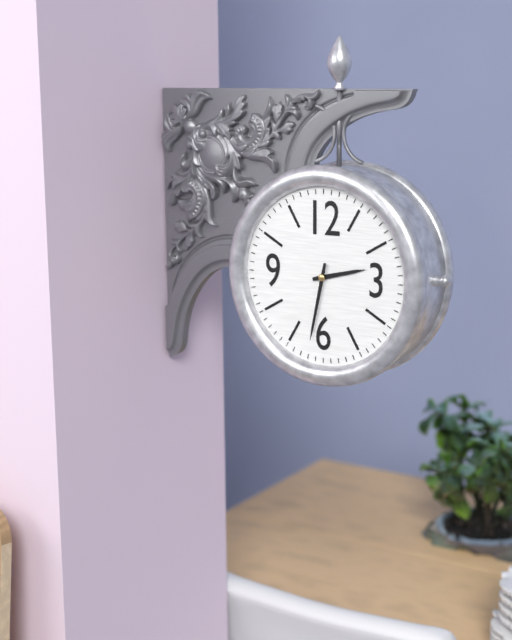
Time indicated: 2:32
